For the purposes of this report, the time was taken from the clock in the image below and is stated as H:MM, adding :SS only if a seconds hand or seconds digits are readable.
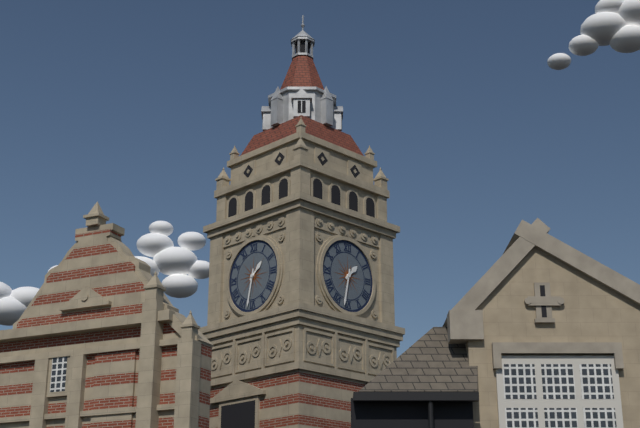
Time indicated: 1:32
